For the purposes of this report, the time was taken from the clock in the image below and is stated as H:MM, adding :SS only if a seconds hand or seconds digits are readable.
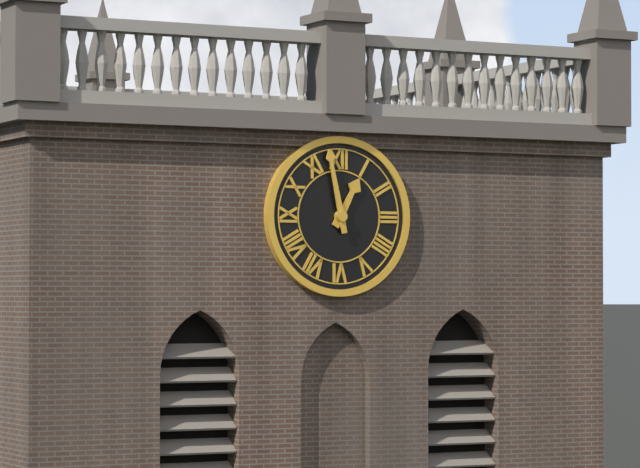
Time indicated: 12:58
